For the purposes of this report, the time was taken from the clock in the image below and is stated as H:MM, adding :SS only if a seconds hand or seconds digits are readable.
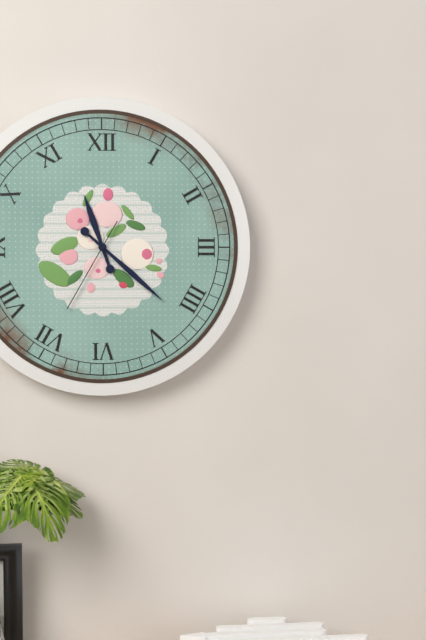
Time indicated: 11:22:35
